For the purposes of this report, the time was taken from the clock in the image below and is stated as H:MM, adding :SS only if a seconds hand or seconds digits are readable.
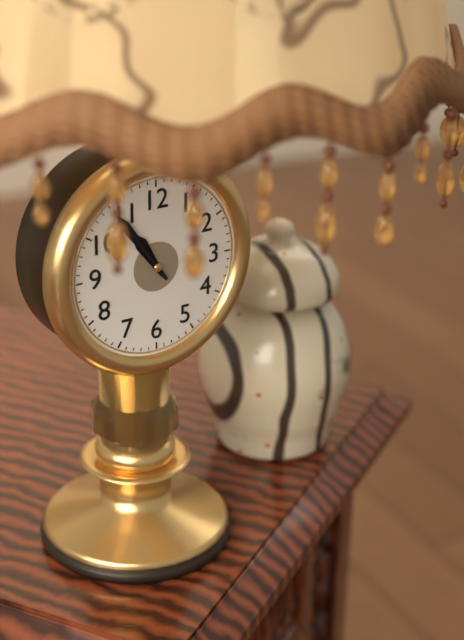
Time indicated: 10:54
